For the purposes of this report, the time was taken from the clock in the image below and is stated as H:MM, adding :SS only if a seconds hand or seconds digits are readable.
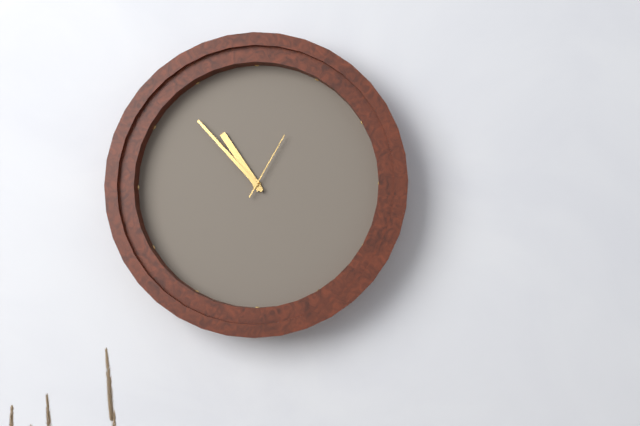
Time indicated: 10:53:05
